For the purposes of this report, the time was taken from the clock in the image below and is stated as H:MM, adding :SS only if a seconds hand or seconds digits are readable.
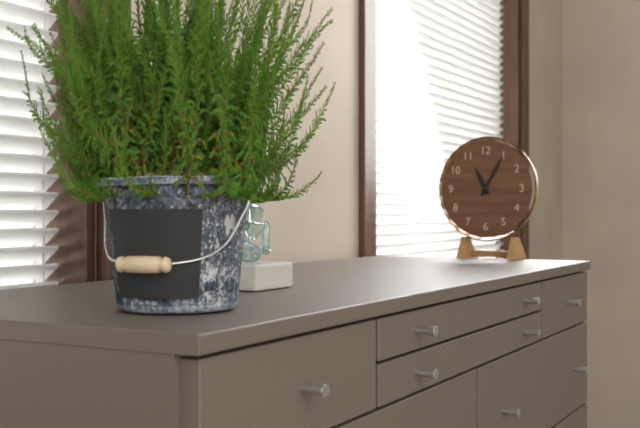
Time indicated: 11:05
